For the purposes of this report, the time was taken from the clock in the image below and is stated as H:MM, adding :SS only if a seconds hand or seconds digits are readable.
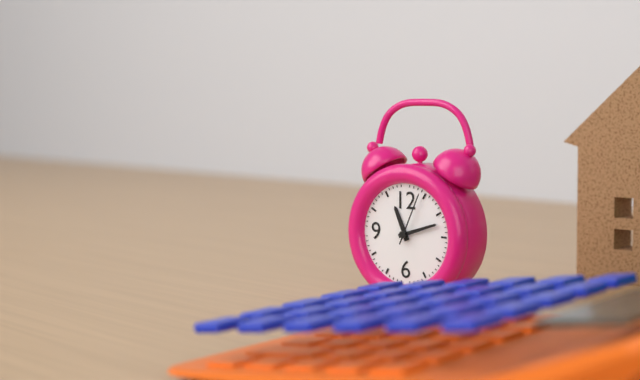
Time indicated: 11:12:04
